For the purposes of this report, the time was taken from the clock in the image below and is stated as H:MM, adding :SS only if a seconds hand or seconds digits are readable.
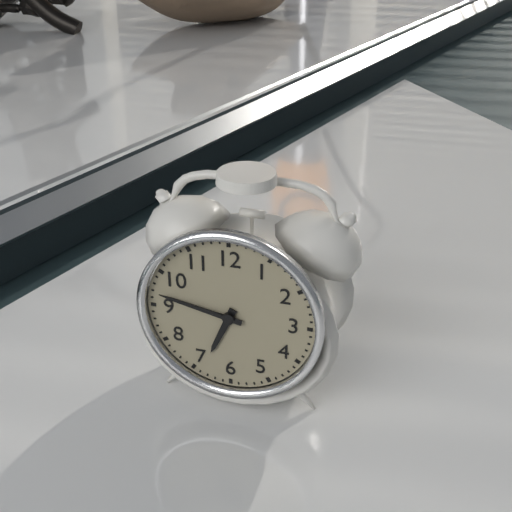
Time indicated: 6:47
